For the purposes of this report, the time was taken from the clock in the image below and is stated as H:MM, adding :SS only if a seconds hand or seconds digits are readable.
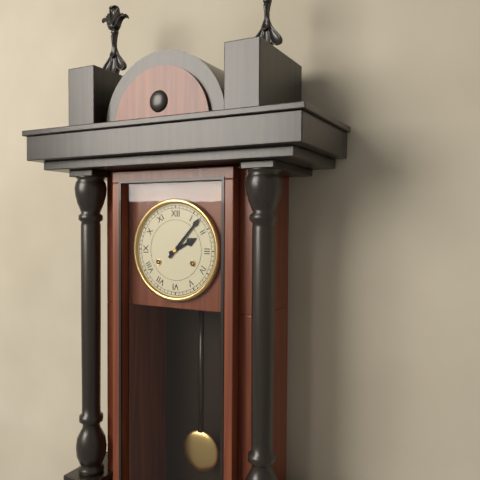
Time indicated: 2:07
